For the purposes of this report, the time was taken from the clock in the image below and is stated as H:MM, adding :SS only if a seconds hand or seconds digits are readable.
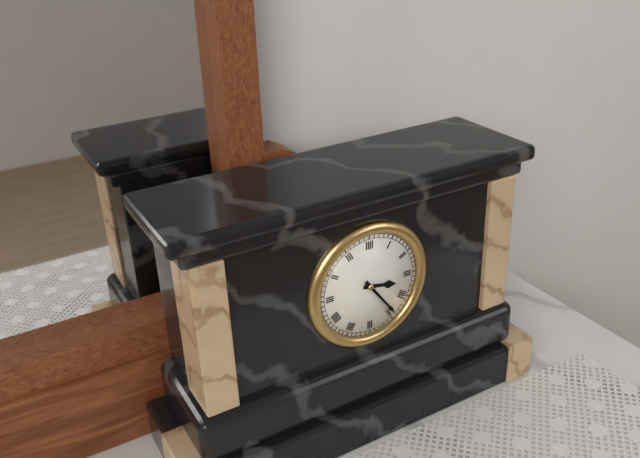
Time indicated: 3:24
